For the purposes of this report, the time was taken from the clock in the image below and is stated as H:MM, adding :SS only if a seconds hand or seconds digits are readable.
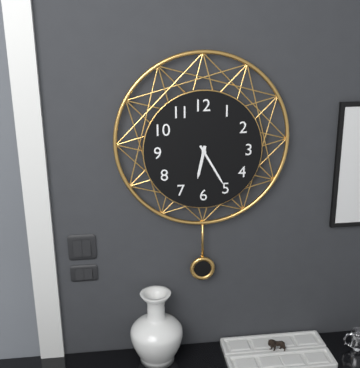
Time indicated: 6:25
